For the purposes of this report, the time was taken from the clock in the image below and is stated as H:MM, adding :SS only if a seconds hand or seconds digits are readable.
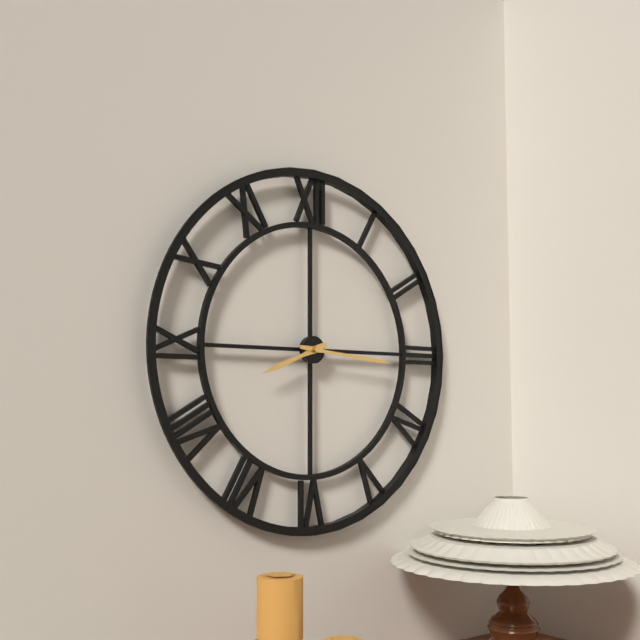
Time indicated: 8:16
